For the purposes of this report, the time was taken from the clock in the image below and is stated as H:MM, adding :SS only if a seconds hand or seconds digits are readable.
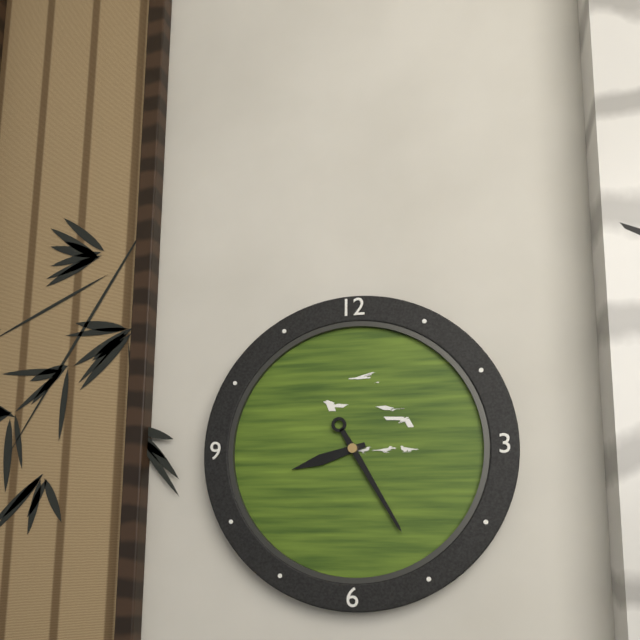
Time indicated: 8:25
